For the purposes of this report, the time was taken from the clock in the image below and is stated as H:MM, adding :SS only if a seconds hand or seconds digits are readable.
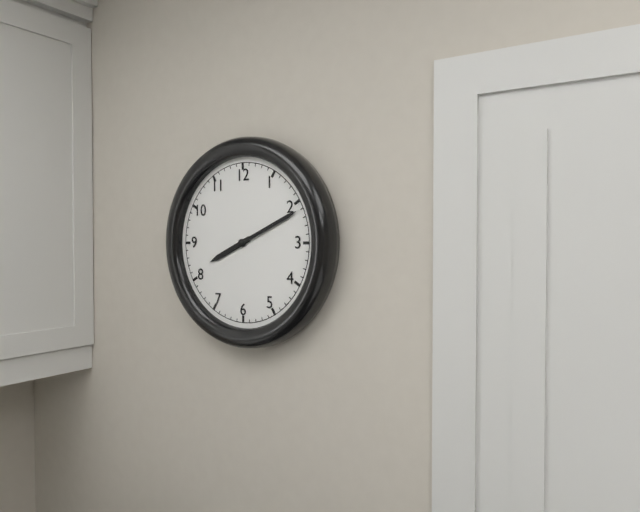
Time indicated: 8:11
